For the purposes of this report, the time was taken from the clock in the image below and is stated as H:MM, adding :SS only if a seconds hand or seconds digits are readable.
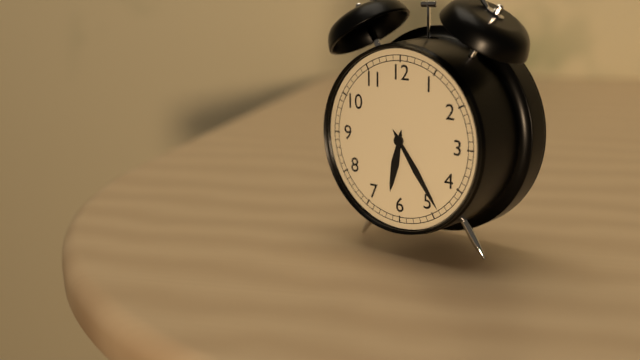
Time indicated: 6:24
